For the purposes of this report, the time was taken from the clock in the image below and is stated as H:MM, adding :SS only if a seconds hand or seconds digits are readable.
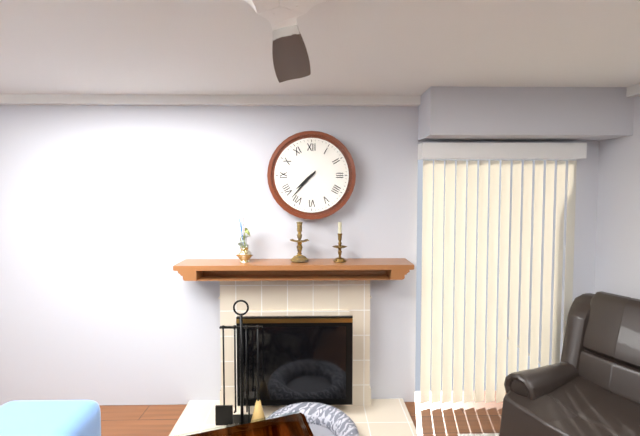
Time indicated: 7:37
